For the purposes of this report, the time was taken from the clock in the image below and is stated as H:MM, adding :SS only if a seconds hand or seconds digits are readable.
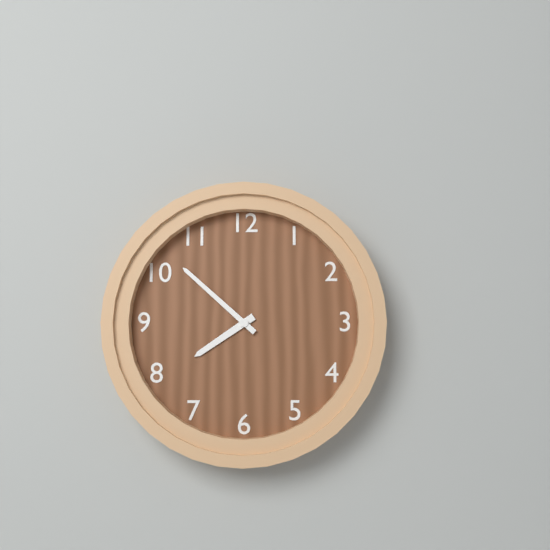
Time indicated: 7:52
